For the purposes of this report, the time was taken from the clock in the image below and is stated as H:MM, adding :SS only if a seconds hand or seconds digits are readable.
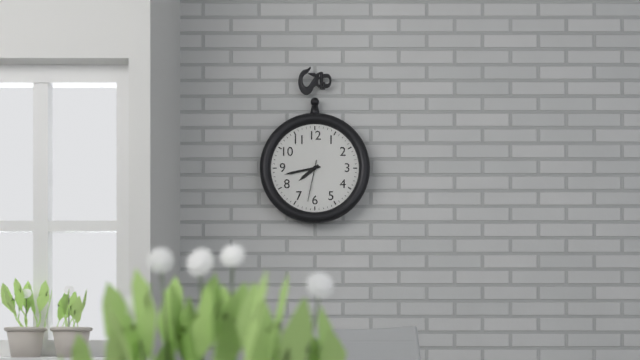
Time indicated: 7:43
